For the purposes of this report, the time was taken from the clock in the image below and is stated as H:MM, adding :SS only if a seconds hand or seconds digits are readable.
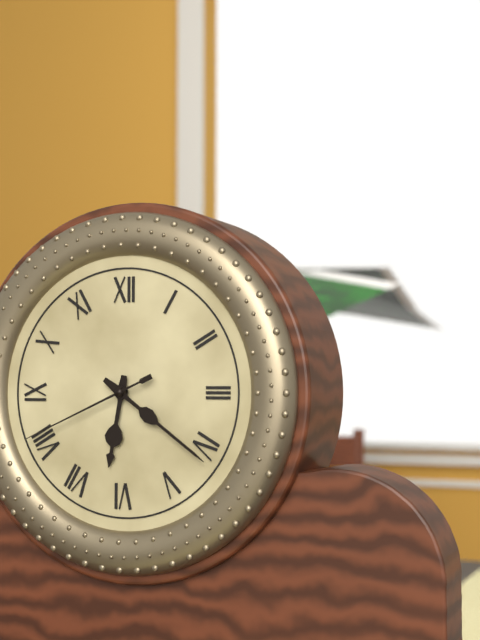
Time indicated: 6:21:41
